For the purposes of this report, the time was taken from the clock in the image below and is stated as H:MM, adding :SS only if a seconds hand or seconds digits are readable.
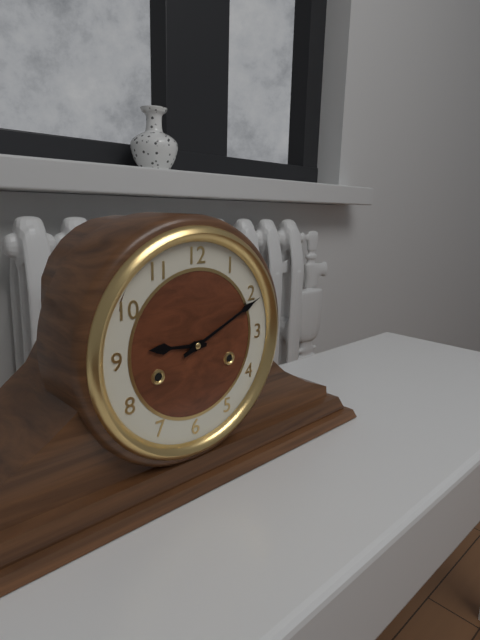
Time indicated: 9:11
